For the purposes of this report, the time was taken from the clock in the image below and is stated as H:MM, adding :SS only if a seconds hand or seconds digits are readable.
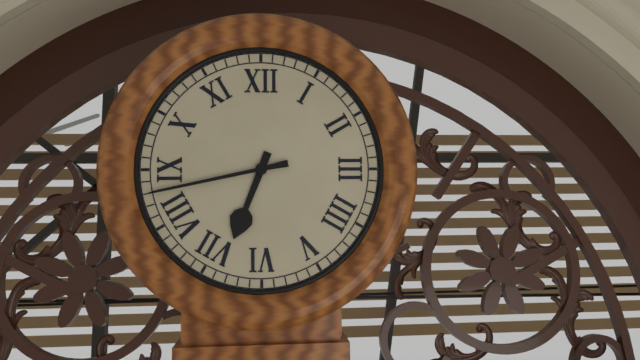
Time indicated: 6:43
